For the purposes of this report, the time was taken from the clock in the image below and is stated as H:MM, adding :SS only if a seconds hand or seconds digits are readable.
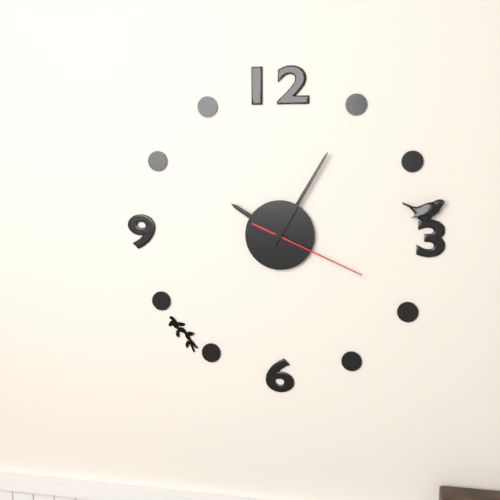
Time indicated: 10:05:19
